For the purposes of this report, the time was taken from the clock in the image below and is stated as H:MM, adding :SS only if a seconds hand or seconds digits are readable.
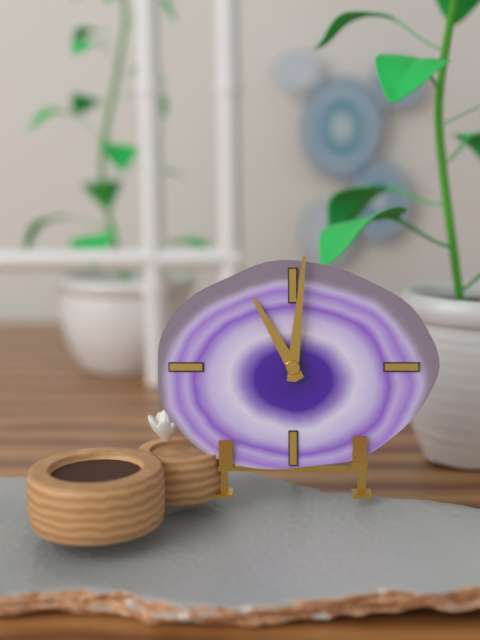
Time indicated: 11:01
